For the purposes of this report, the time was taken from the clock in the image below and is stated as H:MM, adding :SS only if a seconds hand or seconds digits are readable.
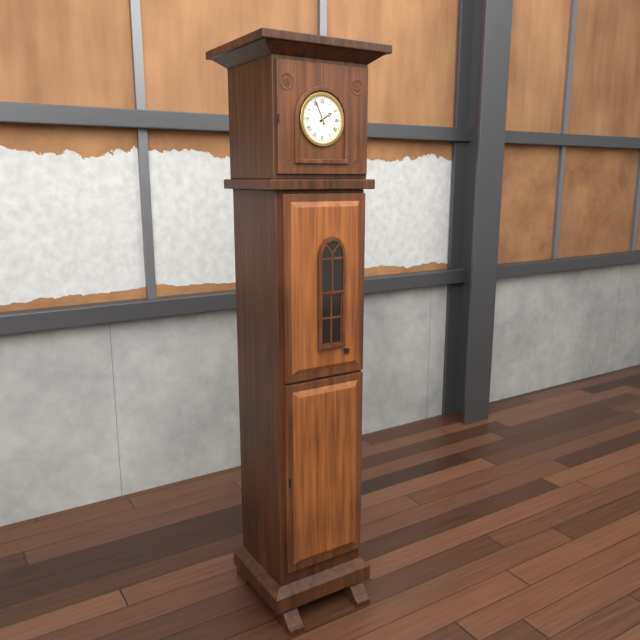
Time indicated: 1:56
